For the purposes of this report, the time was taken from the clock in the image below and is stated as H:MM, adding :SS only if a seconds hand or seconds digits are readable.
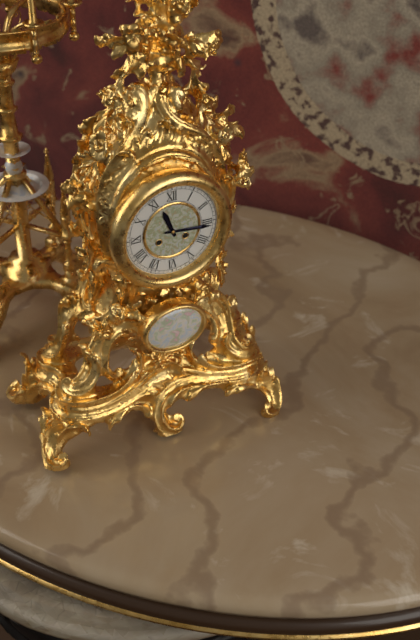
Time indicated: 11:16
